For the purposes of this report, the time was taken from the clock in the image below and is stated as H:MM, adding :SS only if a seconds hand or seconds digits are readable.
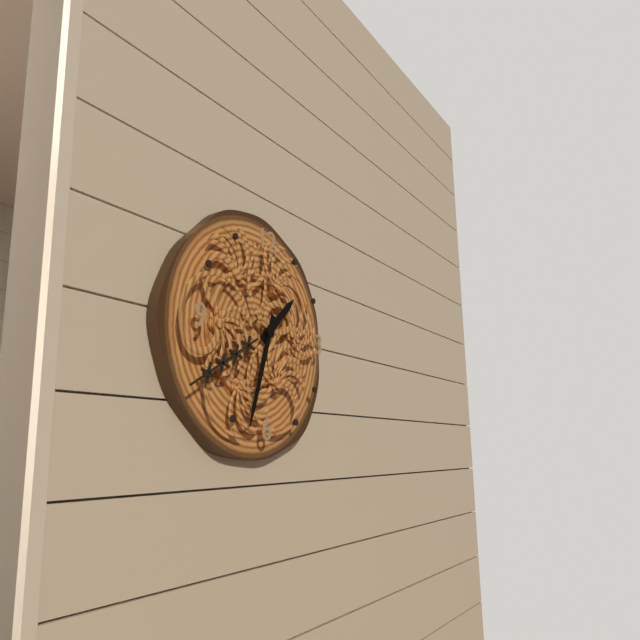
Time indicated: 1:33
